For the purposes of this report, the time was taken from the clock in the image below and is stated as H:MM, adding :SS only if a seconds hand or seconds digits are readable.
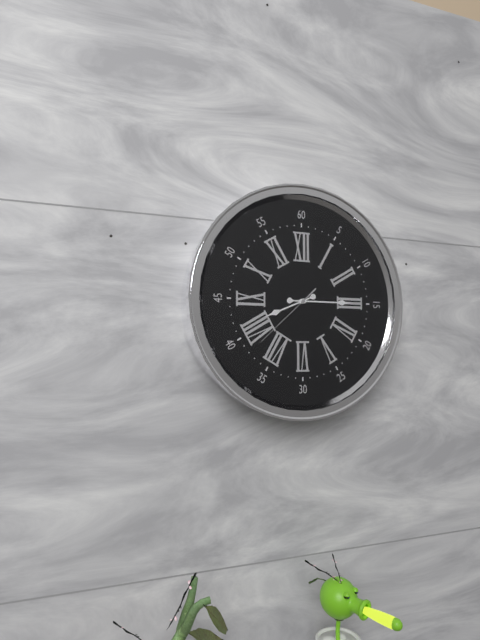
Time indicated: 8:15:38
